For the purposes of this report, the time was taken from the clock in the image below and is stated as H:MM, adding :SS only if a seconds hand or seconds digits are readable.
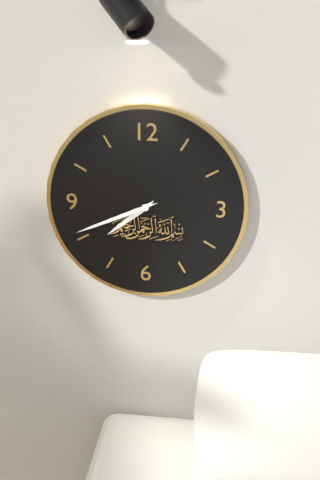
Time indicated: 7:41
